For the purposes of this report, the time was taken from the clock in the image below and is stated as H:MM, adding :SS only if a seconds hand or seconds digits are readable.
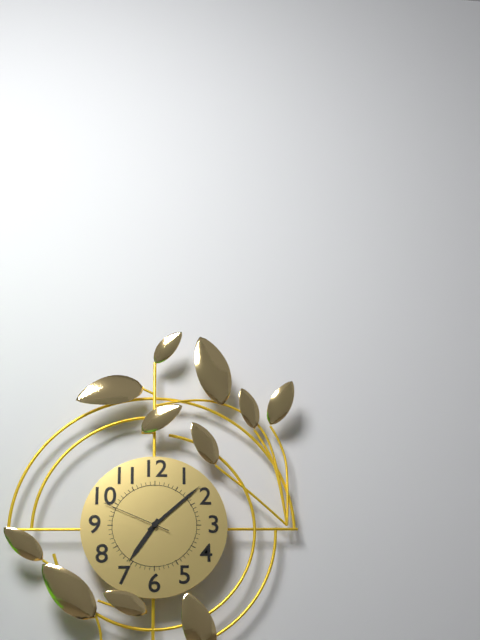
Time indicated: 7:08:49
